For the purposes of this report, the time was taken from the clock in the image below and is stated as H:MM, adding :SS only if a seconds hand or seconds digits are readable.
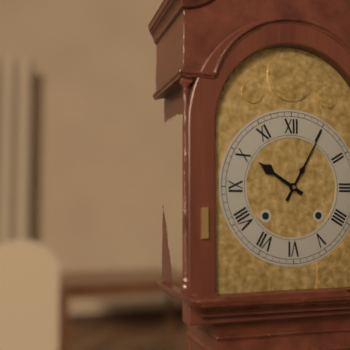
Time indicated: 10:05
